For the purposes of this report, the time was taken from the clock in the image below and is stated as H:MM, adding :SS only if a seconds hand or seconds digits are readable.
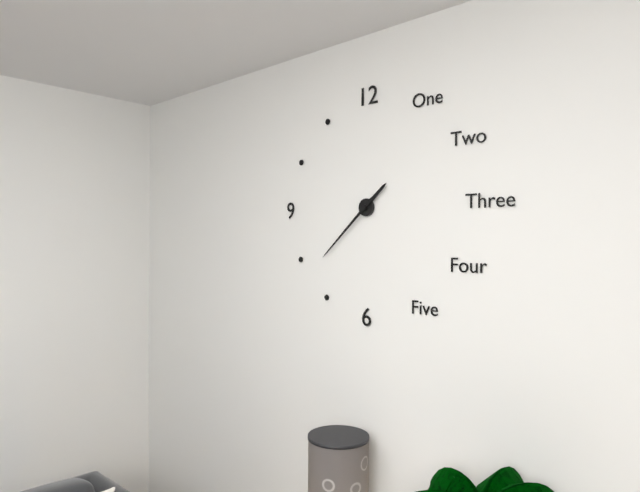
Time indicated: 1:38
